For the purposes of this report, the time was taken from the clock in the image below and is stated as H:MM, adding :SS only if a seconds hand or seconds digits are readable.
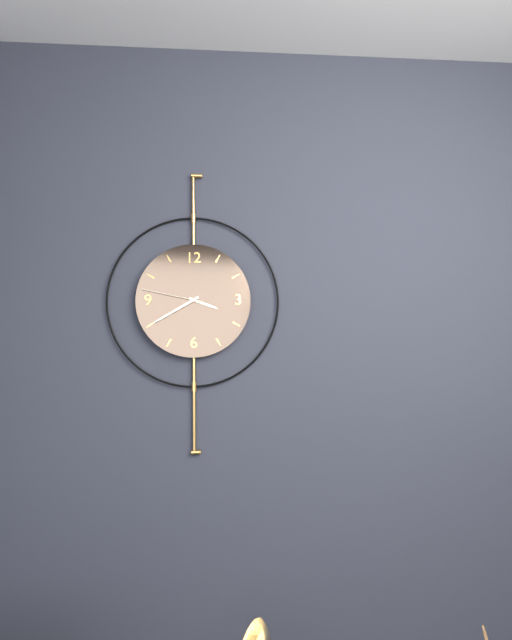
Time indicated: 3:40:47
